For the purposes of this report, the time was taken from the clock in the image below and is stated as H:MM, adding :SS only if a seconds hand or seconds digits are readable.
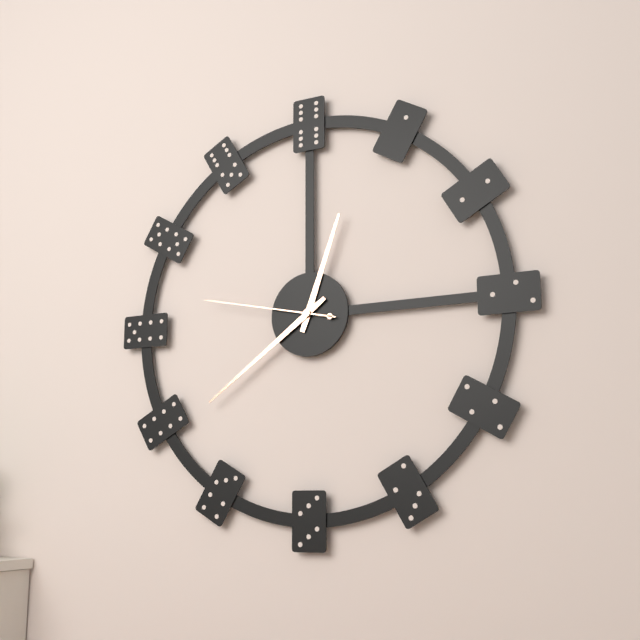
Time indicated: 12:39:47
